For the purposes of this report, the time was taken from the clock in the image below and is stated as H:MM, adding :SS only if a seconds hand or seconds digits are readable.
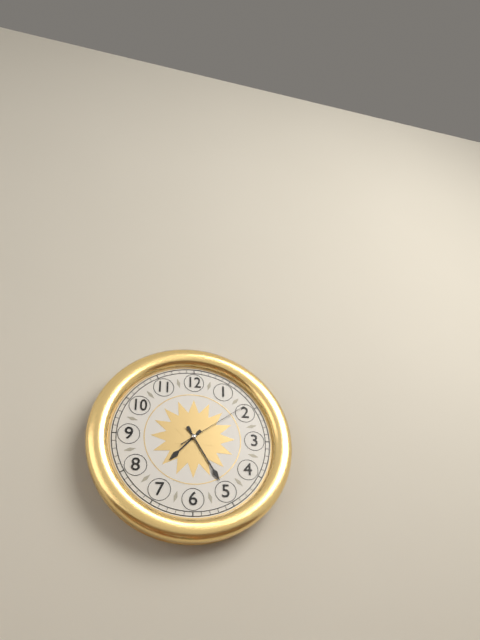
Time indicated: 7:25:09
